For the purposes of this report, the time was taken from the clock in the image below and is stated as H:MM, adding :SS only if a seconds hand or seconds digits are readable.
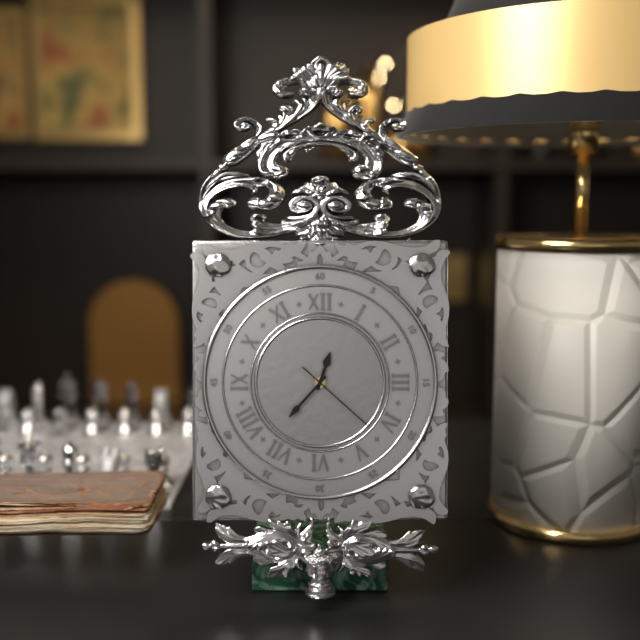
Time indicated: 12:37:22
